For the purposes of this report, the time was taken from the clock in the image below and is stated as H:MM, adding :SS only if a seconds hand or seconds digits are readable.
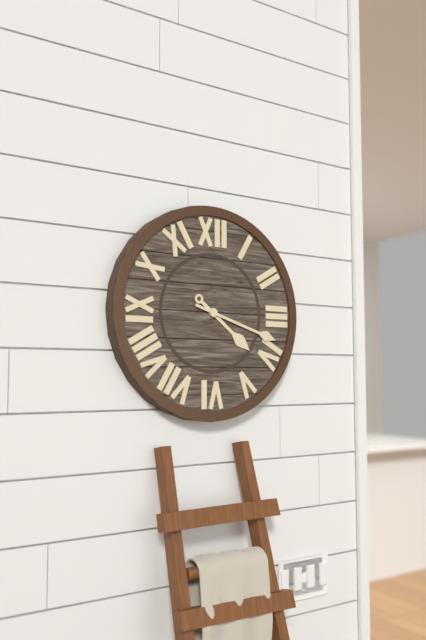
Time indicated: 4:18
